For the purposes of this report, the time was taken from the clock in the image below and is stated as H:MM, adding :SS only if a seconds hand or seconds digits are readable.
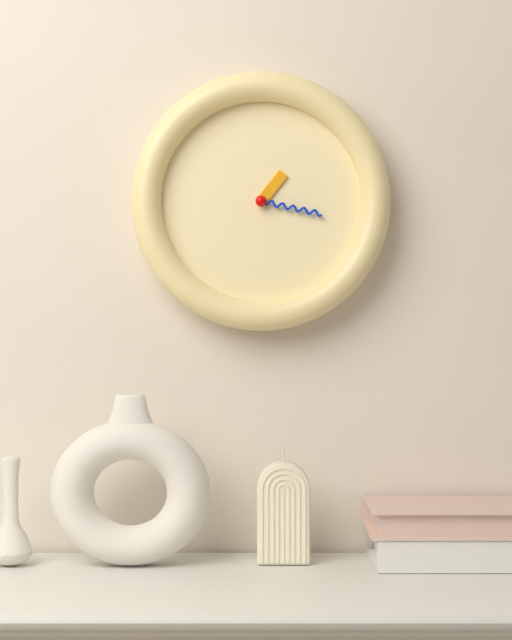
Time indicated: 1:17
